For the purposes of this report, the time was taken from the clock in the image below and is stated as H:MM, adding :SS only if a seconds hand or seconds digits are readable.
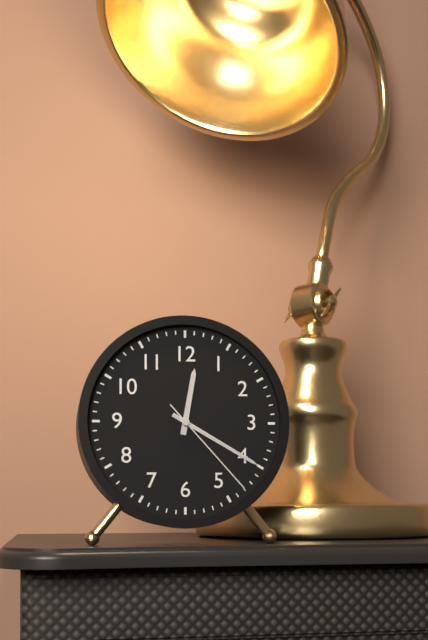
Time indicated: 12:20:23
